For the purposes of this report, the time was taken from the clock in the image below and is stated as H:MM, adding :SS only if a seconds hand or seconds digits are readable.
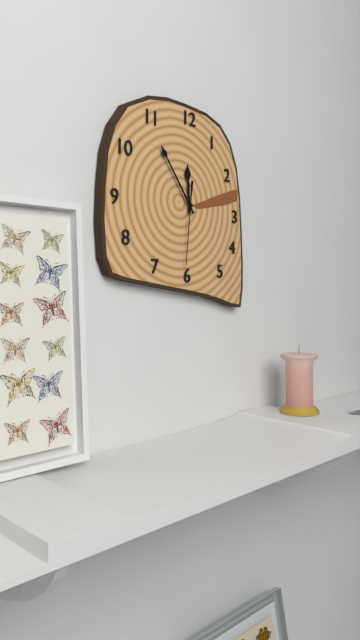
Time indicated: 11:54:31
